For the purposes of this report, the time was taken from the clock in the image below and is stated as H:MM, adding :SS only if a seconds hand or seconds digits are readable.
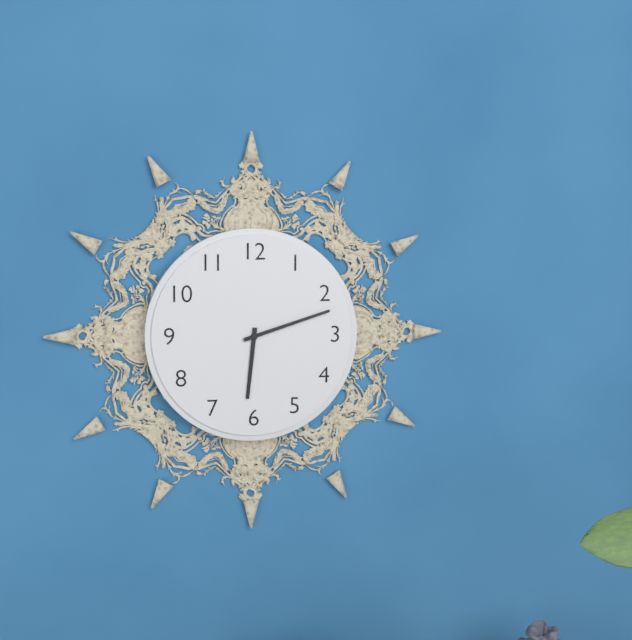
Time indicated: 6:12
